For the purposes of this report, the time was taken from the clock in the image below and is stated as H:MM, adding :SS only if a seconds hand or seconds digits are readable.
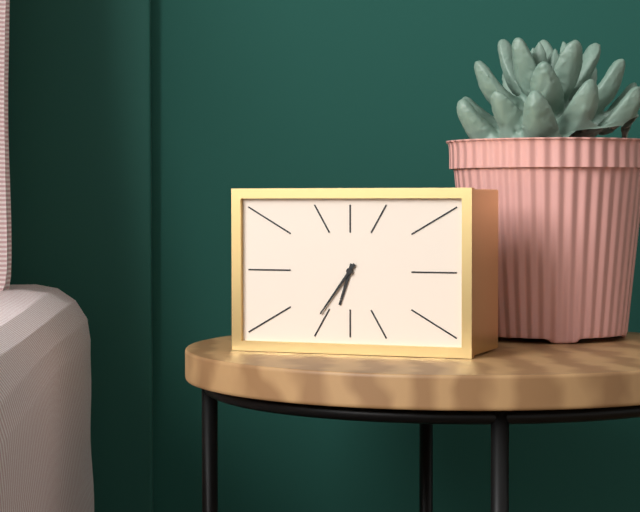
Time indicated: 6:36
